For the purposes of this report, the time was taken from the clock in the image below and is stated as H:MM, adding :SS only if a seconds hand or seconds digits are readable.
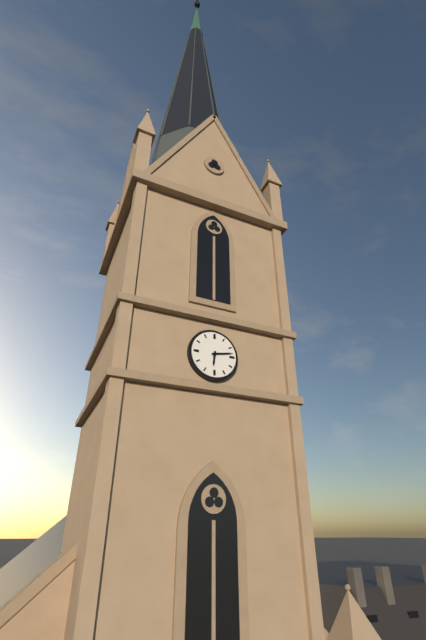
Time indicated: 6:13
